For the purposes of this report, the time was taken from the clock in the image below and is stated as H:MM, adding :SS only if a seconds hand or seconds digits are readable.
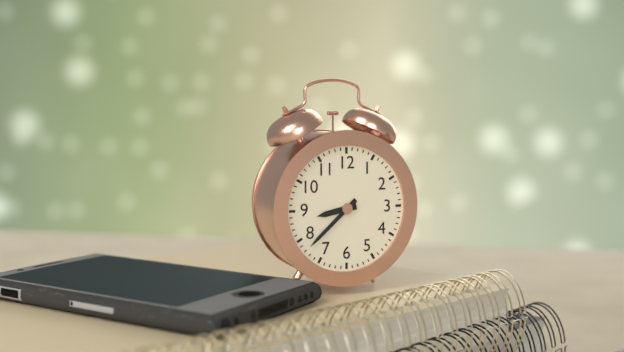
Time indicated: 8:38
